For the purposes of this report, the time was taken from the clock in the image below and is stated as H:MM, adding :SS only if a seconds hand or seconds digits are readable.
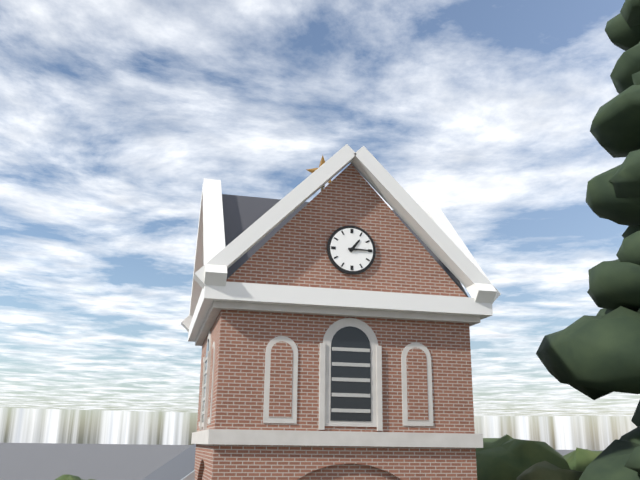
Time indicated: 1:15
